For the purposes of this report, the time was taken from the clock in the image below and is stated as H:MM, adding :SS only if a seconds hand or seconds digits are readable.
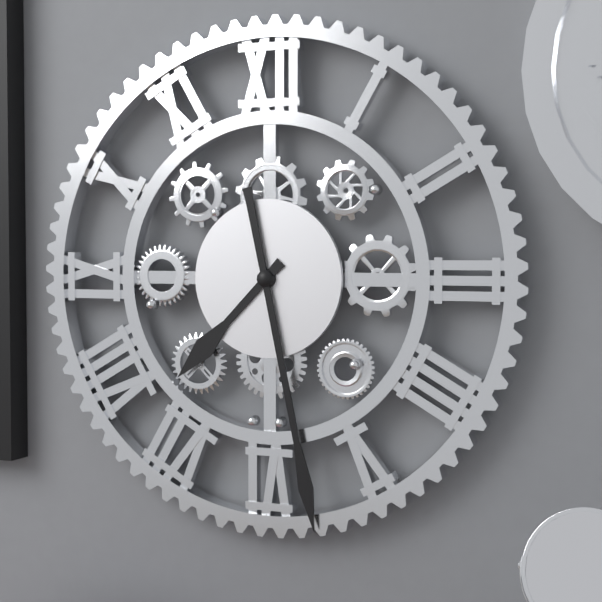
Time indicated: 7:28
